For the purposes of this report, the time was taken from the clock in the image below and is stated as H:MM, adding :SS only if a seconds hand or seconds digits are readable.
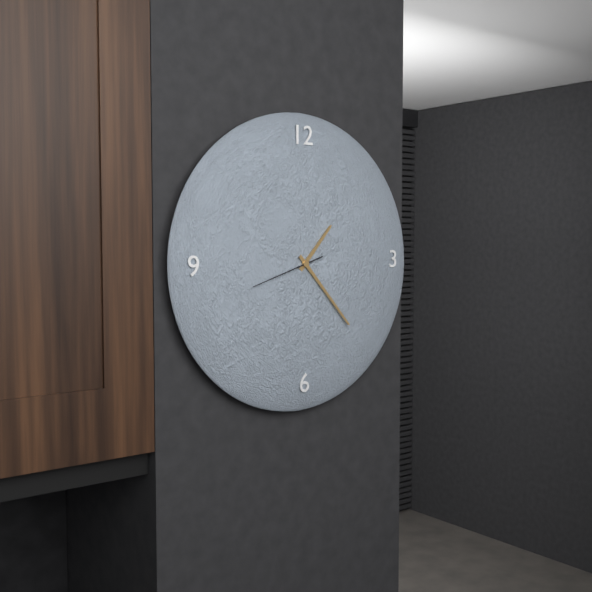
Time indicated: 1:23:42
